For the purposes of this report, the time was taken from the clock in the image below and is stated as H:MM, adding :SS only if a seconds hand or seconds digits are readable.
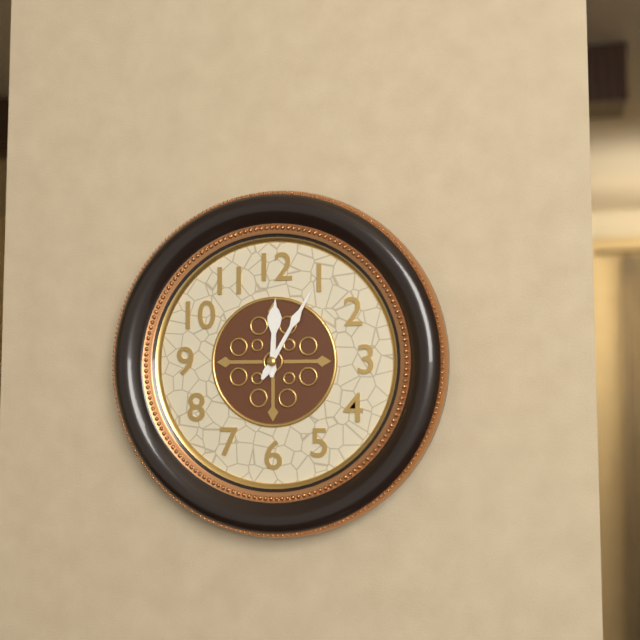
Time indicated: 12:05
